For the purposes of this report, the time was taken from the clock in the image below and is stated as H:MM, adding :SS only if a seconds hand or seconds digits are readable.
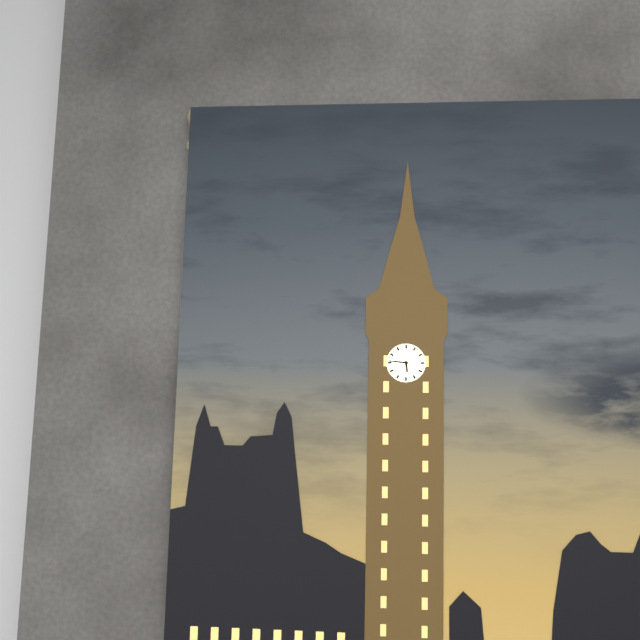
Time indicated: 5:46
